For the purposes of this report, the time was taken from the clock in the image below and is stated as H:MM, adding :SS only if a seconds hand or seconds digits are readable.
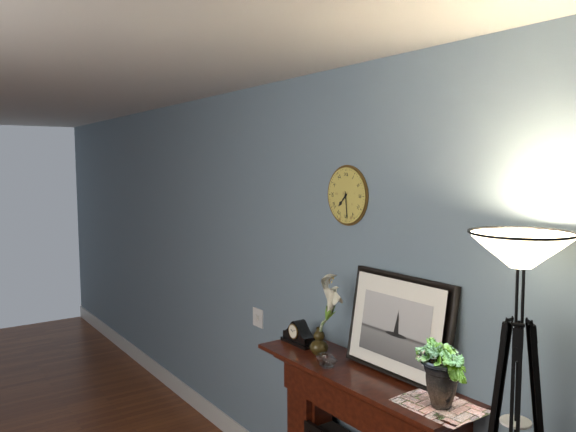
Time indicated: 7:29
